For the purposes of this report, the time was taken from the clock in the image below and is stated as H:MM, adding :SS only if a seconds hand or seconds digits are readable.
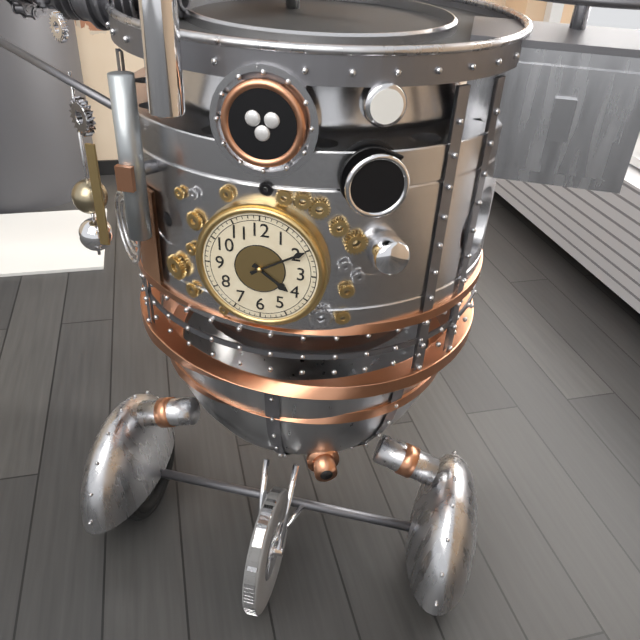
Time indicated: 4:10
